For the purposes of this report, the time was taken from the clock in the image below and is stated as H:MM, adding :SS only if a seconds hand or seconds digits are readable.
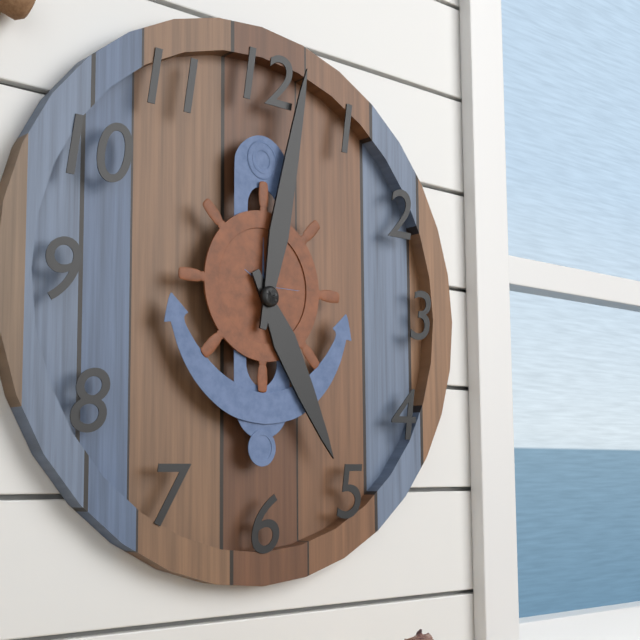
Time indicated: 5:02
